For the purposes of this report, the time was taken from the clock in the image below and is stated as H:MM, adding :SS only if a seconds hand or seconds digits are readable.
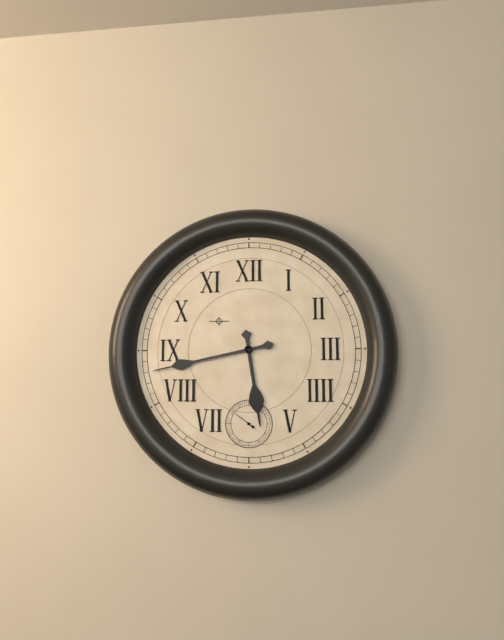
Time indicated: 5:43
